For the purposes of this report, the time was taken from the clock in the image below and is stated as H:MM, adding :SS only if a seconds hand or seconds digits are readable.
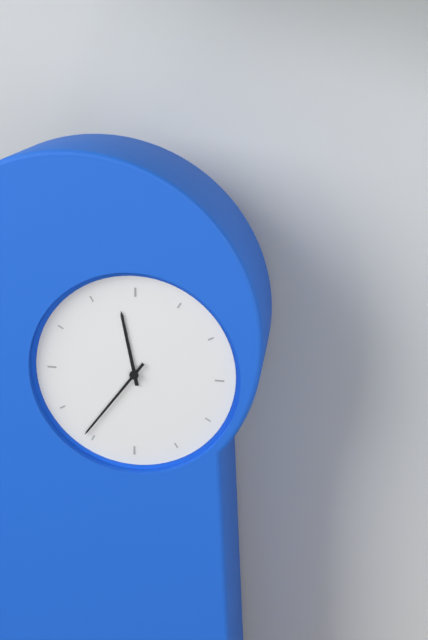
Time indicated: 11:36
